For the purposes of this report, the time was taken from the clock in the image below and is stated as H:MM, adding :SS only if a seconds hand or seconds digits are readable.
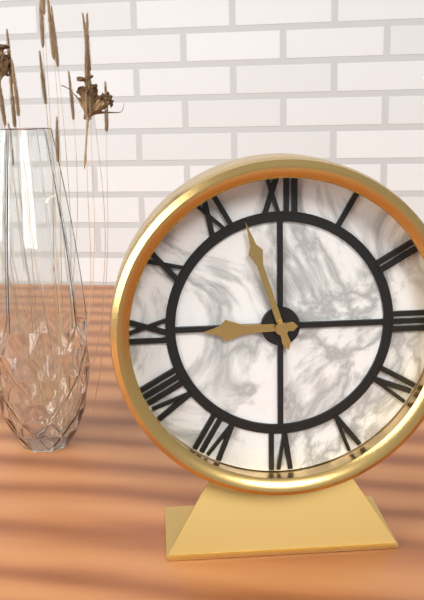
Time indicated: 8:57
